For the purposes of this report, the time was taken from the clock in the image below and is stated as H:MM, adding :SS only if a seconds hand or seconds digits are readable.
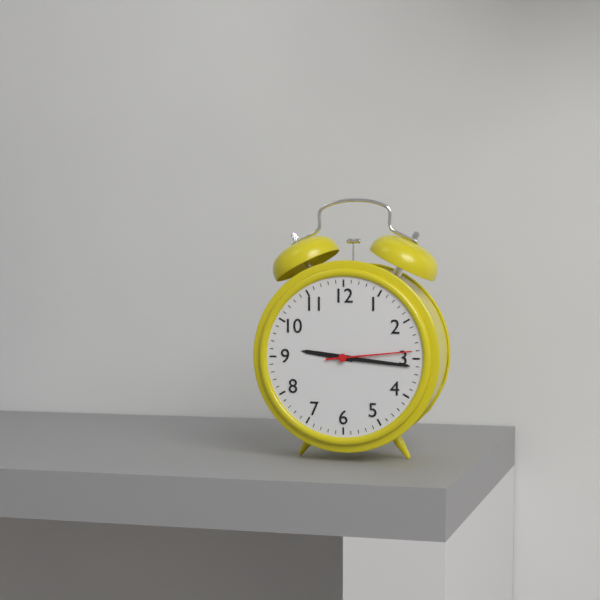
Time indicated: 9:16:14
